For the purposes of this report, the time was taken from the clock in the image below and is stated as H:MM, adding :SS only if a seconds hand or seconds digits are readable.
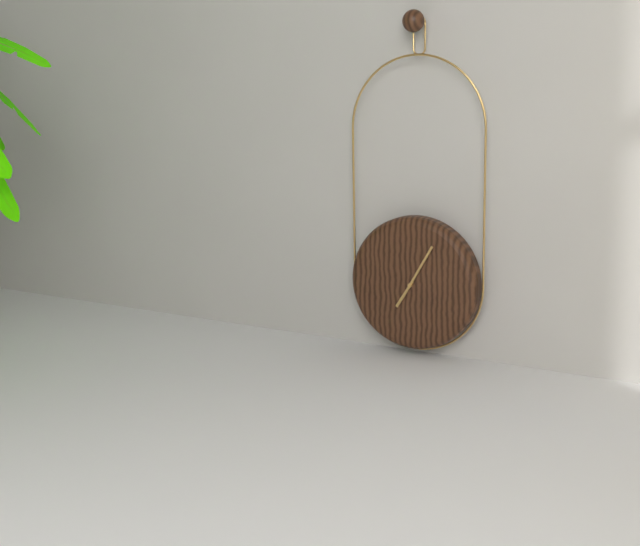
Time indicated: 7:05
